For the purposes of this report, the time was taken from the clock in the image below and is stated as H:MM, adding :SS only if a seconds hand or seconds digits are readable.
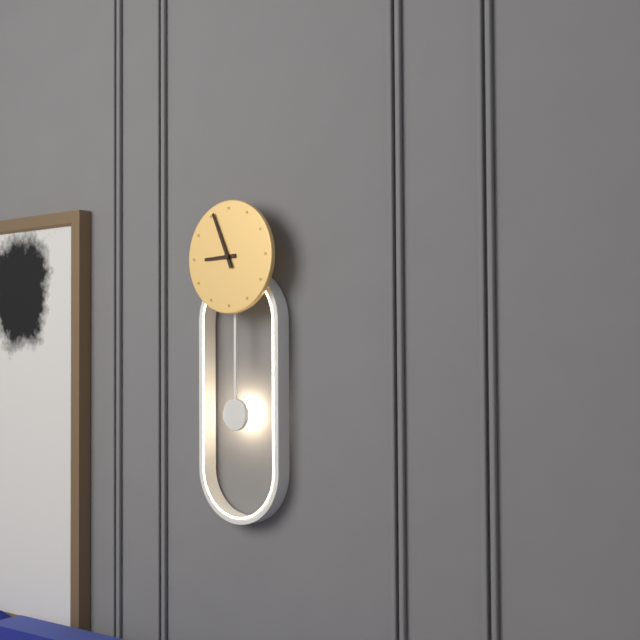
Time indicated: 8:56
